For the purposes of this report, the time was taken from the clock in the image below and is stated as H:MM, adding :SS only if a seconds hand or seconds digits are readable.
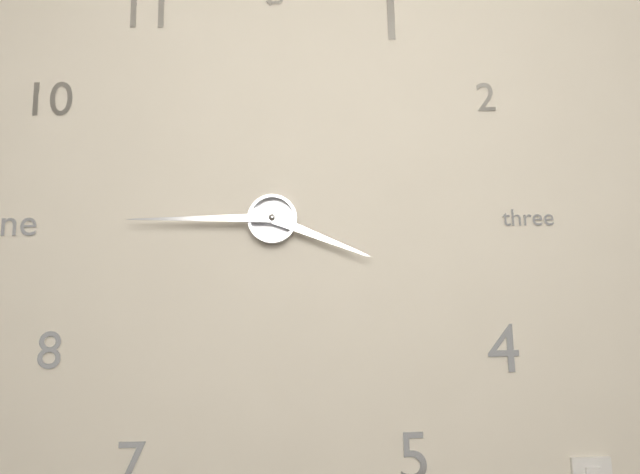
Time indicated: 3:45
